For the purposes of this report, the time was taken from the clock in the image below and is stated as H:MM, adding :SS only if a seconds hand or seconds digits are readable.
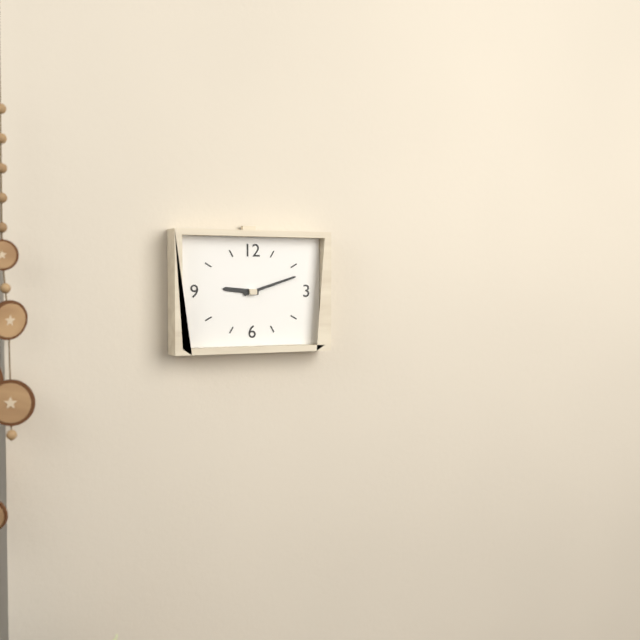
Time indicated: 9:12
